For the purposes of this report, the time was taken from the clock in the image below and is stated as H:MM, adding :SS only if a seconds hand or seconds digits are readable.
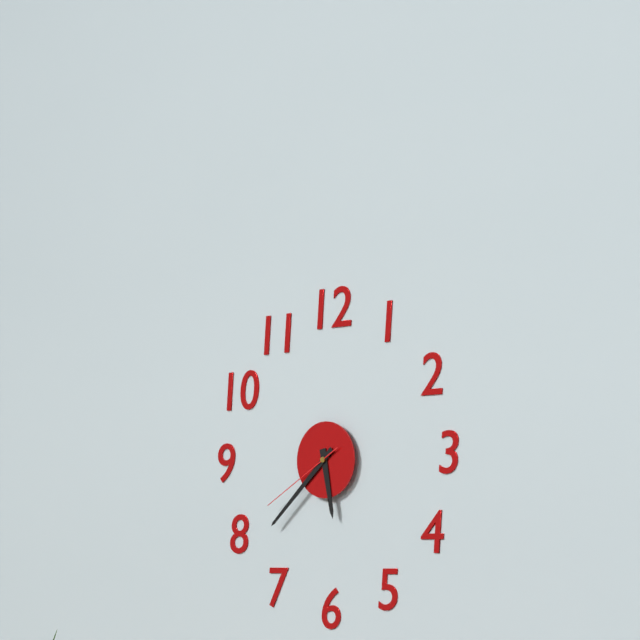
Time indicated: 5:38:40
